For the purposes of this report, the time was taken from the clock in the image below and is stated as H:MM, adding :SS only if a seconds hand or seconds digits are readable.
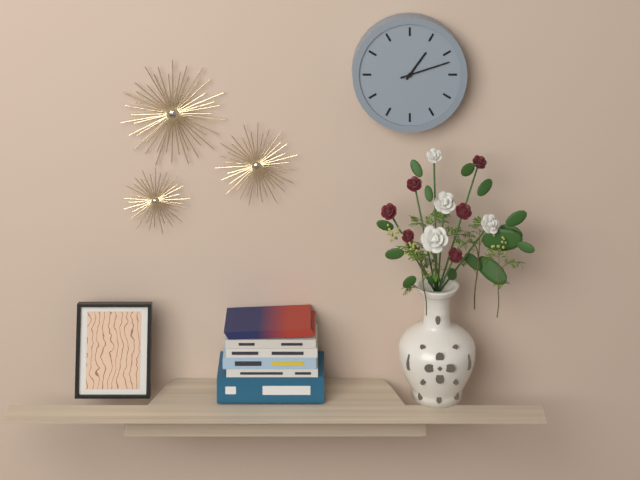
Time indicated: 1:12
